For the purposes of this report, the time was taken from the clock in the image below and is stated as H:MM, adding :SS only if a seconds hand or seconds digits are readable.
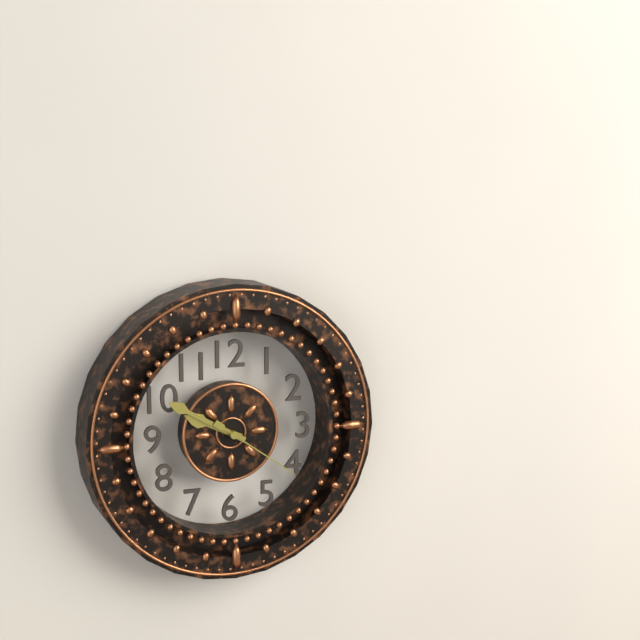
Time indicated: 9:50:21
